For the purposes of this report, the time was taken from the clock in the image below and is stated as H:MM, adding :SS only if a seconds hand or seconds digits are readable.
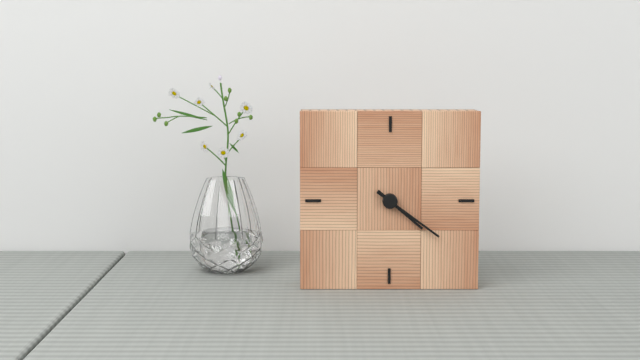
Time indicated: 4:21
